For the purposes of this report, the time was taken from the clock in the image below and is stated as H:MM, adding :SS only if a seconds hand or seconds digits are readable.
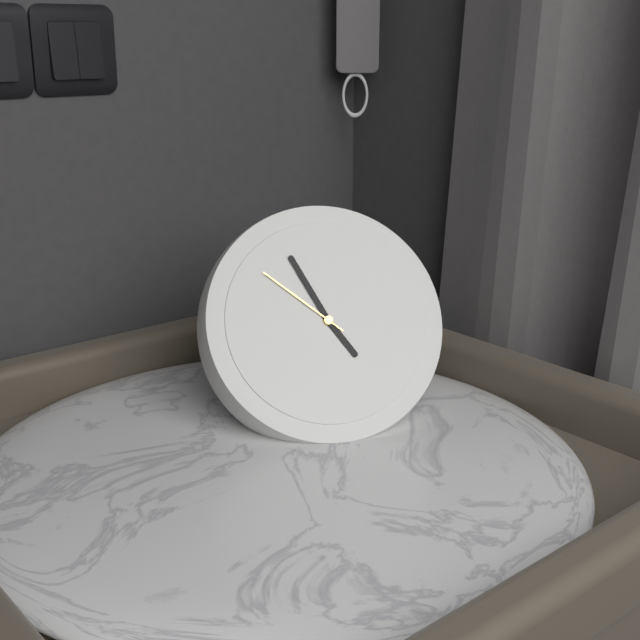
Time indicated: 4:56:52
